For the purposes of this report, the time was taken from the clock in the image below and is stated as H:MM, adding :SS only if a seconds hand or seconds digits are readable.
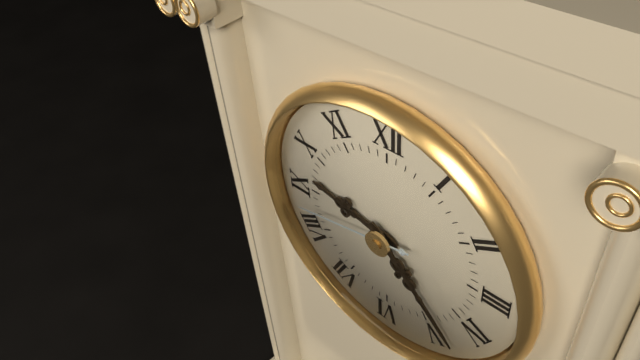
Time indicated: 9:23:43
